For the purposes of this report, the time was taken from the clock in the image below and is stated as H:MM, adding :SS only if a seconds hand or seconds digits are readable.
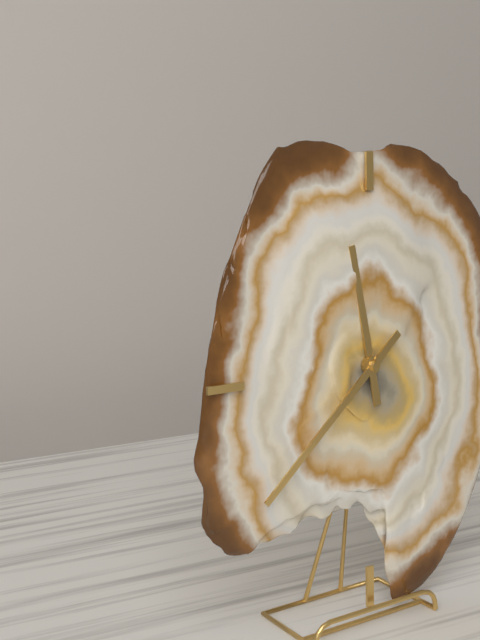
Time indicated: 11:38
